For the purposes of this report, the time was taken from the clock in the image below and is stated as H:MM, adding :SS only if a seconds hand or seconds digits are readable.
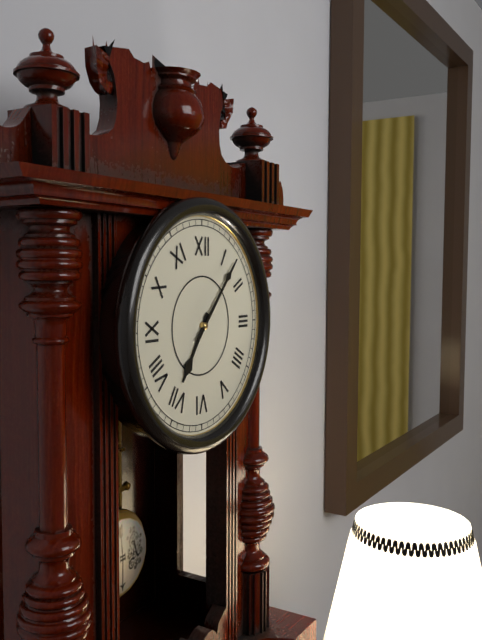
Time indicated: 7:07
